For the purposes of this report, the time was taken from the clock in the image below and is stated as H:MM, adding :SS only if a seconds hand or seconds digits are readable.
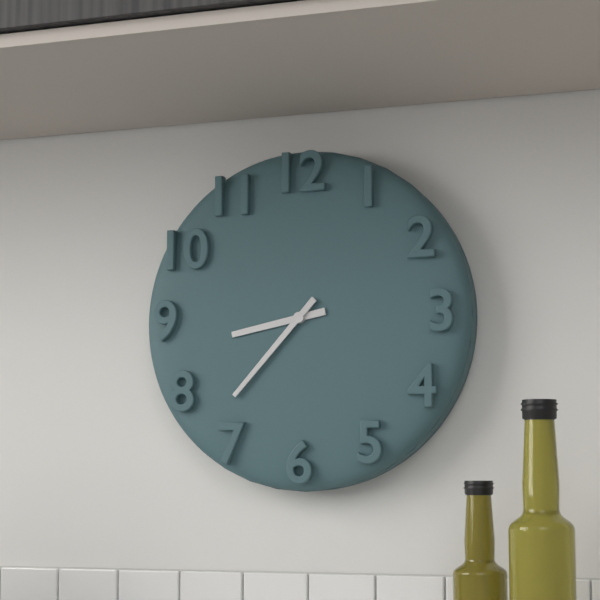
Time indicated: 8:37
